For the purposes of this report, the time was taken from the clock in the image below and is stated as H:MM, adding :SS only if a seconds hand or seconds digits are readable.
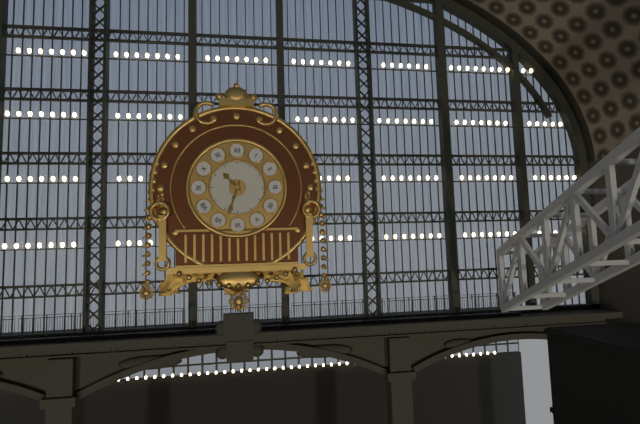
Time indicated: 10:33
